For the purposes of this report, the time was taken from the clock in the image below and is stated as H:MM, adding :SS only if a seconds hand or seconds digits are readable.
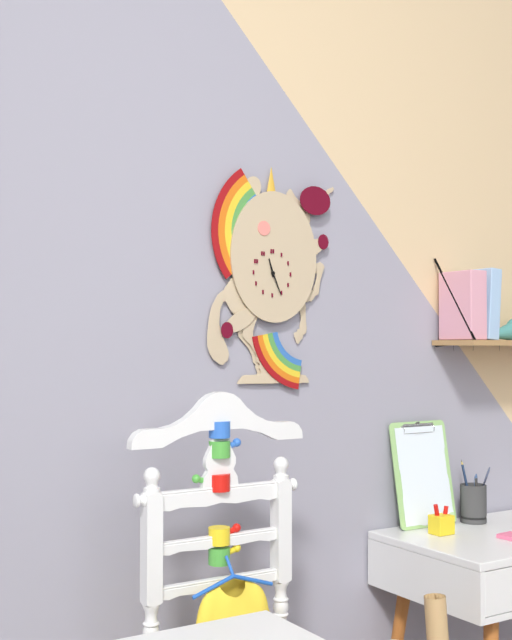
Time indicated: 11:26
